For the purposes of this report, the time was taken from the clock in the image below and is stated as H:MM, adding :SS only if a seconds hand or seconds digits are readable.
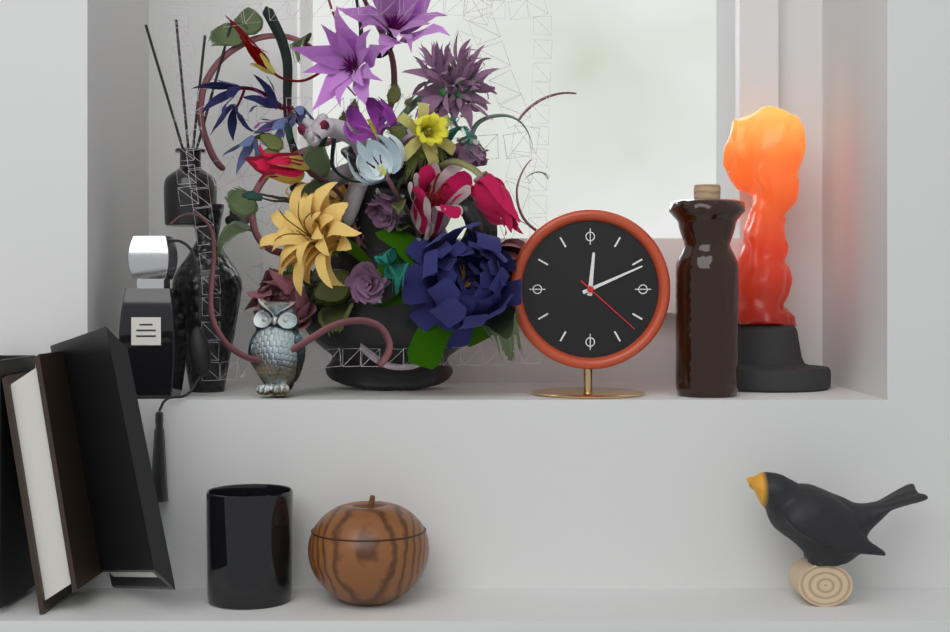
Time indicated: 12:11:22
